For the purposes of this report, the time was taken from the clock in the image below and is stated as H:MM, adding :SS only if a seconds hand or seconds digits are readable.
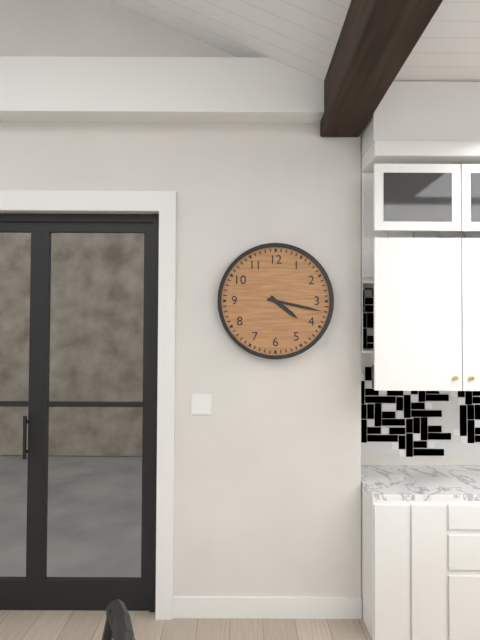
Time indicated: 4:17
